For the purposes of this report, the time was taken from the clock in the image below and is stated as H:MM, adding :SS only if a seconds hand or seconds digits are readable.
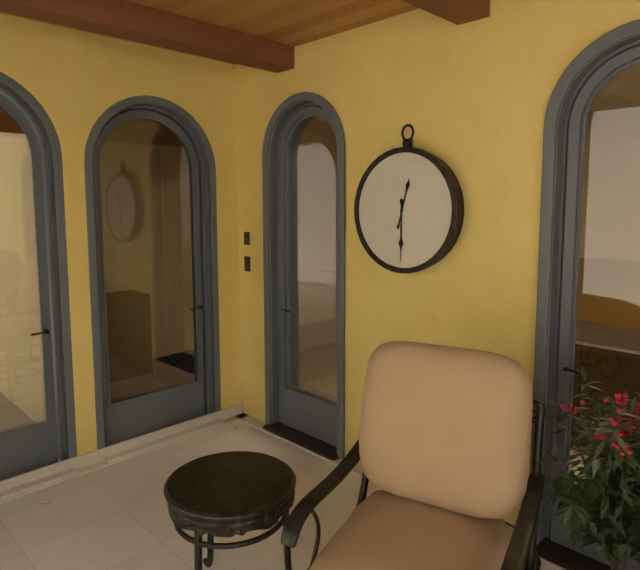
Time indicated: 12:30
